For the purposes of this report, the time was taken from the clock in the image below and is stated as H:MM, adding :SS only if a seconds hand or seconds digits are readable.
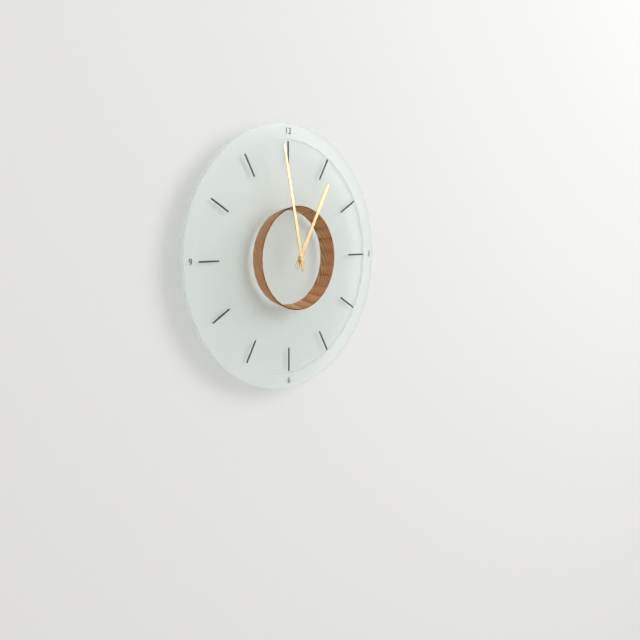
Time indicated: 12:58
